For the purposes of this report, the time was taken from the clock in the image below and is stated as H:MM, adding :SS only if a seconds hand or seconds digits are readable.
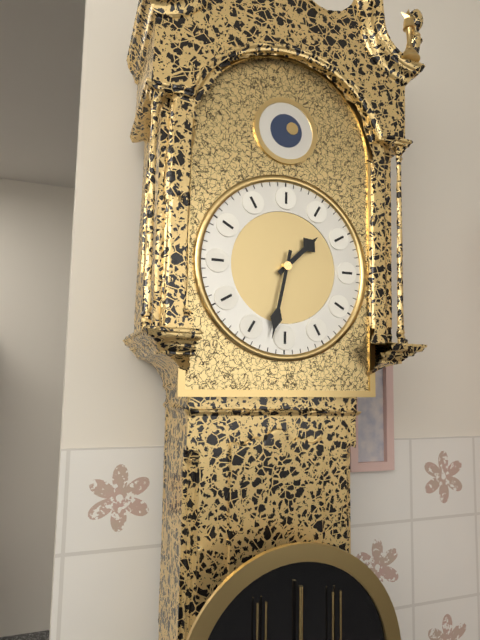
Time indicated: 1:32
